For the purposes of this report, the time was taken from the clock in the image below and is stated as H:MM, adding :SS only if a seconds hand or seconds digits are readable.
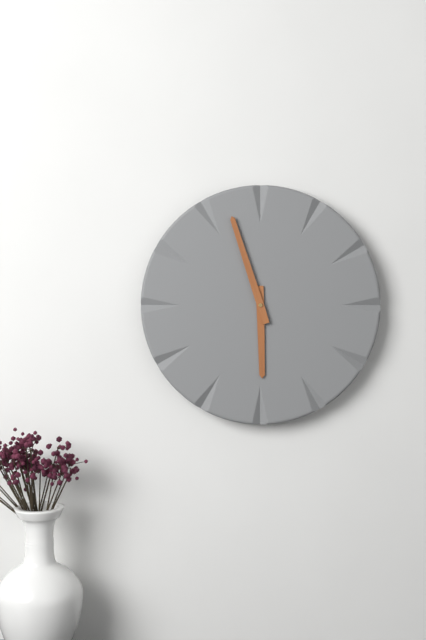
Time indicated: 5:57
